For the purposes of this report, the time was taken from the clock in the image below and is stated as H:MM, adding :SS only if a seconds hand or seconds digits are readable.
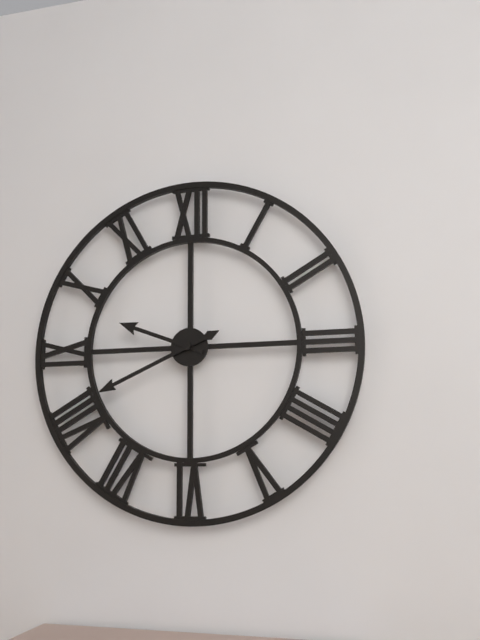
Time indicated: 9:41
